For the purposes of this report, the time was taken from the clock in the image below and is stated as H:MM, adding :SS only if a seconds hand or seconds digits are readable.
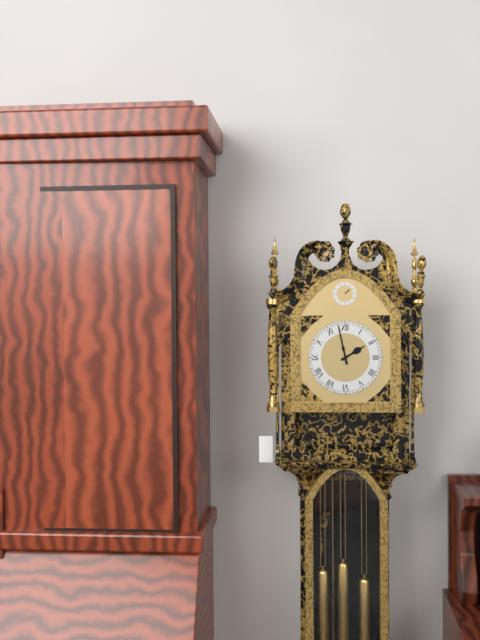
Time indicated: 1:58
